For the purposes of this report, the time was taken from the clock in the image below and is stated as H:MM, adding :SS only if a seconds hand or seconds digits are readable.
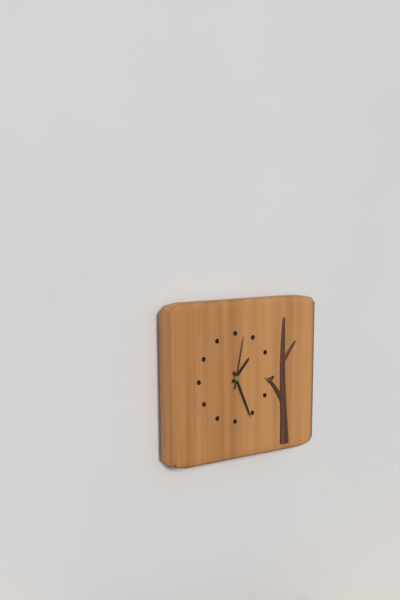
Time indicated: 1:26:02
